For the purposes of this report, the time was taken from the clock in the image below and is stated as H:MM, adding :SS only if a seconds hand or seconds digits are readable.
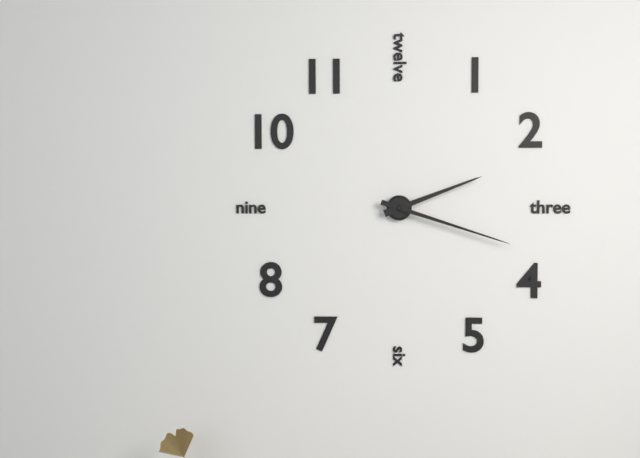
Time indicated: 2:18
